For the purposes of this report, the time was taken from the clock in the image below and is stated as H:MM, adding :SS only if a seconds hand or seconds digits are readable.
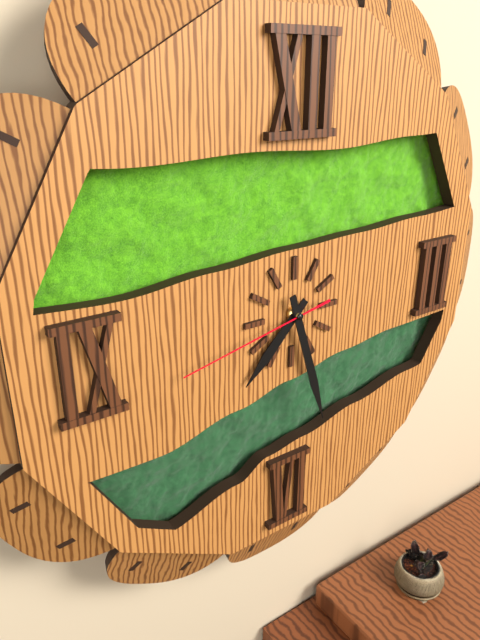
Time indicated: 7:27:43
